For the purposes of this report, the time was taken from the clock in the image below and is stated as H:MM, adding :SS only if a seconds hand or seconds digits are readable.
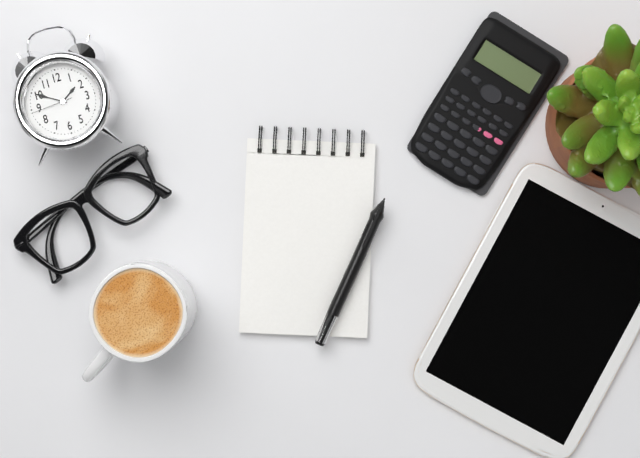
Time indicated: 1:50
